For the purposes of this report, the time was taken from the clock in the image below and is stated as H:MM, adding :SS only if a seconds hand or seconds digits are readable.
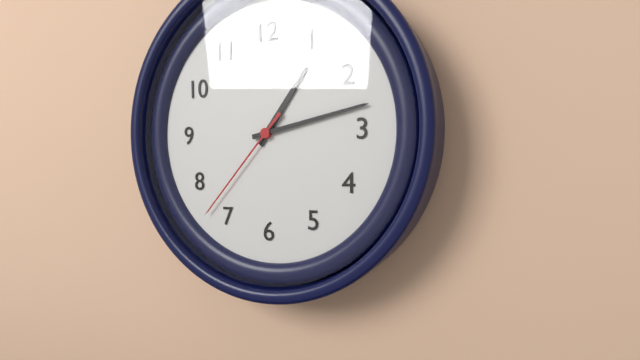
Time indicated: 1:13:37
